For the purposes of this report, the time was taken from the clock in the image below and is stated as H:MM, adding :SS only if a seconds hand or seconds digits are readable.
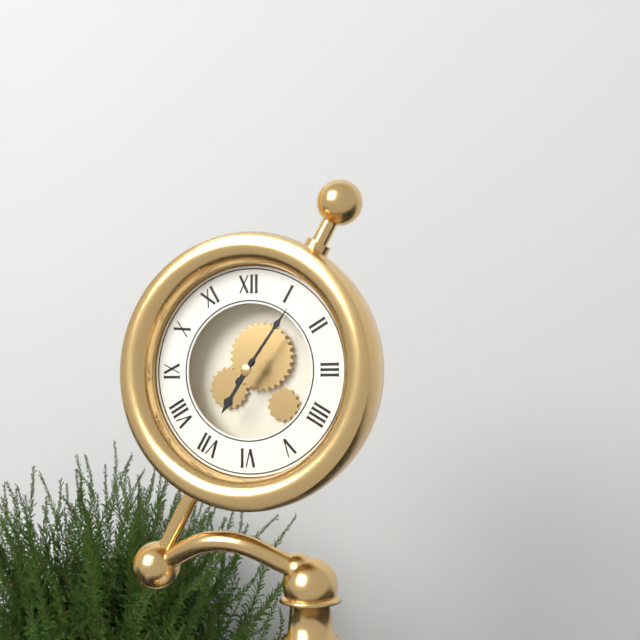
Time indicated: 7:06
